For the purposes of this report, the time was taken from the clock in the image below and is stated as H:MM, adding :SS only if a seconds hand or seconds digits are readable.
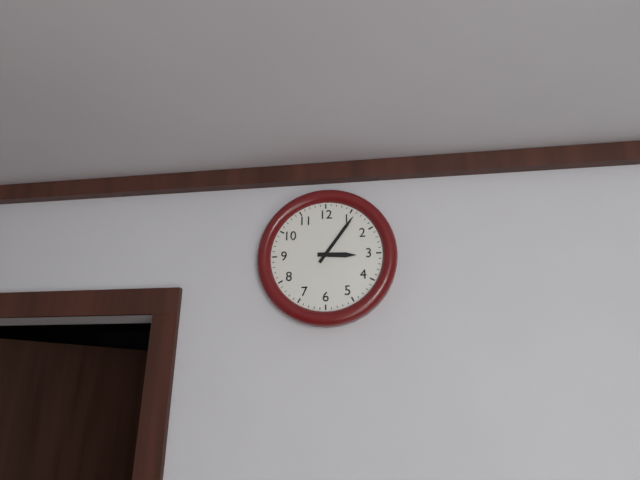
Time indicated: 3:06
